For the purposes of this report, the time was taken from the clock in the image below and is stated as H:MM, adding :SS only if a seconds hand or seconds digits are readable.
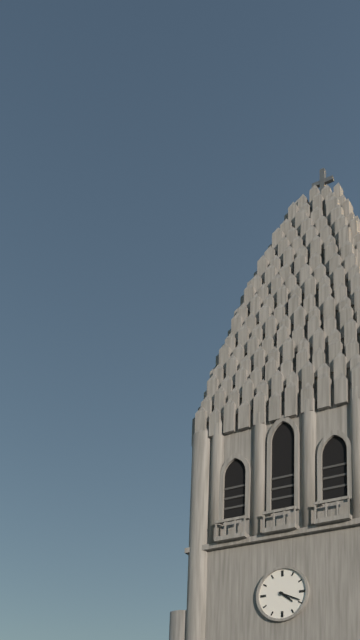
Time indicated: 4:19
